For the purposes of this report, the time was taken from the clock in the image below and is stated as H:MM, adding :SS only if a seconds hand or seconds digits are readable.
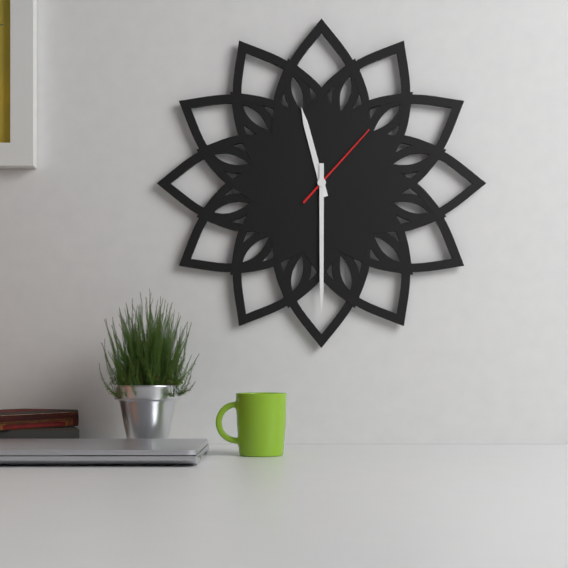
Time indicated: 11:30:07
